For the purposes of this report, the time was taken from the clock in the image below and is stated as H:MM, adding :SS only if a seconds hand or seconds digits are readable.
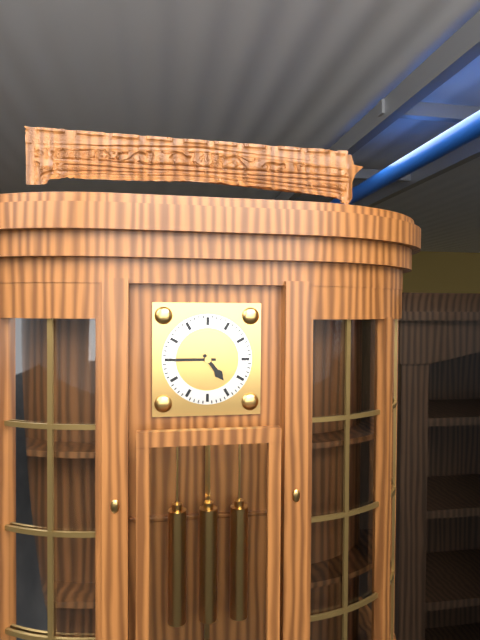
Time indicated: 4:45
